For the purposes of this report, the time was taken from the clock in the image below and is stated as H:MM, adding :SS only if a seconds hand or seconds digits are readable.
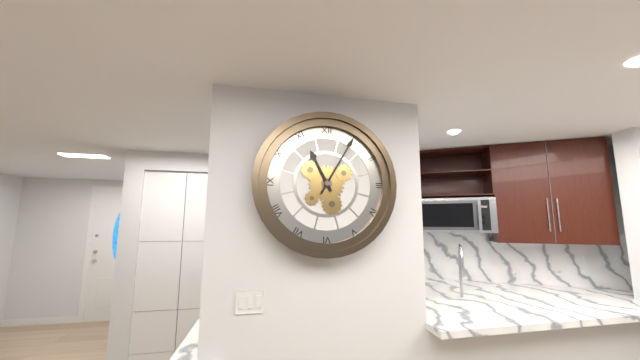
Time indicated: 11:05
